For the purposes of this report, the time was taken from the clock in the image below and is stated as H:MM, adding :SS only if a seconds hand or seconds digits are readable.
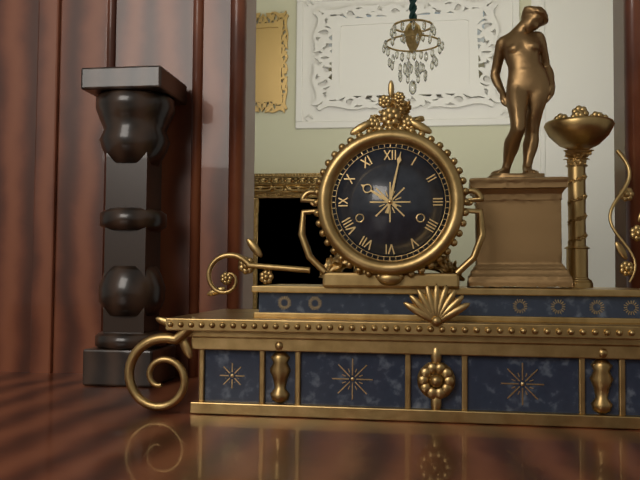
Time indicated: 10:02
